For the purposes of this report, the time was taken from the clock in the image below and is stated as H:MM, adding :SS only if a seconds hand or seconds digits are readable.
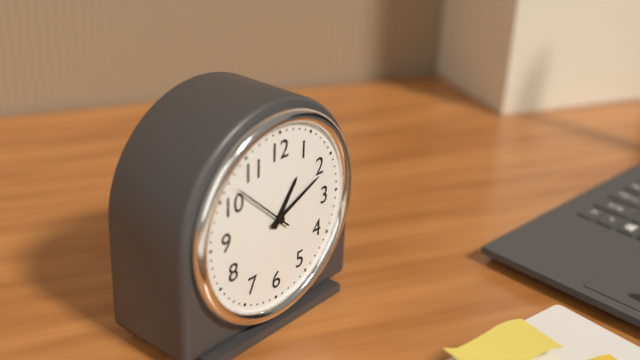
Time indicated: 1:11
